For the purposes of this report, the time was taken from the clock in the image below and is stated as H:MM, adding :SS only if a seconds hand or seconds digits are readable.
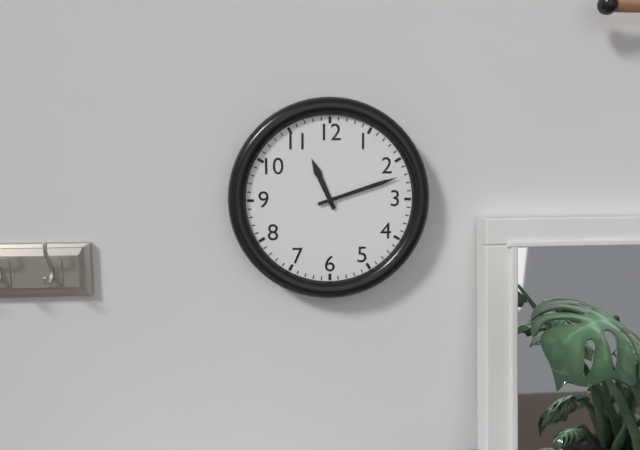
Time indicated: 11:12
